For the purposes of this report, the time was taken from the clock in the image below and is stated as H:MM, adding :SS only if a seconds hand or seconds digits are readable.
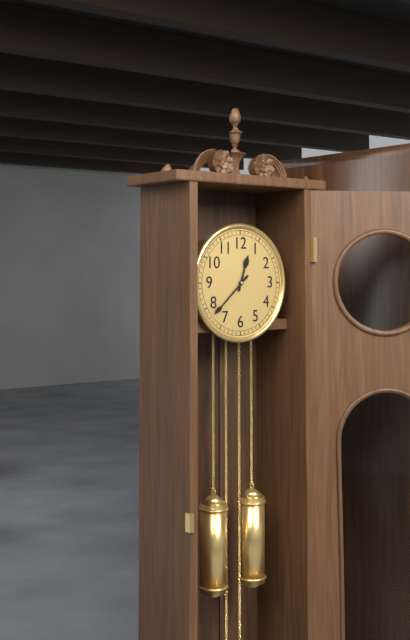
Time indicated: 12:38
